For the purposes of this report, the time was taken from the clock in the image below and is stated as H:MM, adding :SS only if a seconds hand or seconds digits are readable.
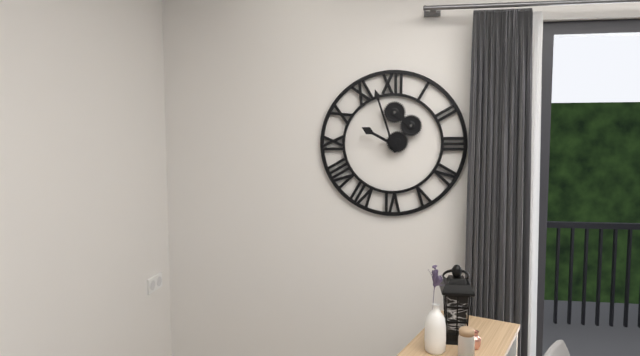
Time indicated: 9:57
